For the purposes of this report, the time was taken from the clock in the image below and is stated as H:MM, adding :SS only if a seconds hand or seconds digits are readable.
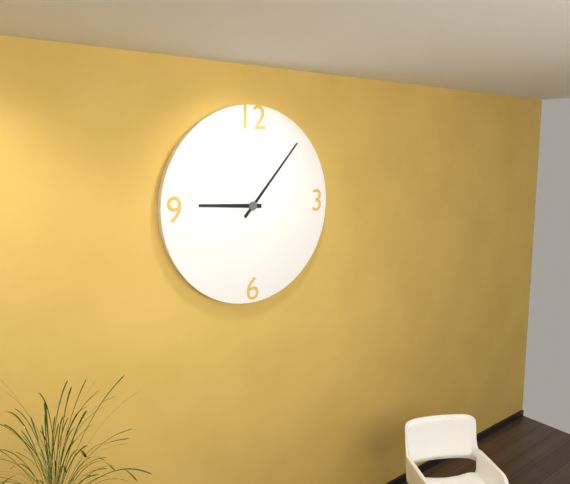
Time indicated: 9:07
